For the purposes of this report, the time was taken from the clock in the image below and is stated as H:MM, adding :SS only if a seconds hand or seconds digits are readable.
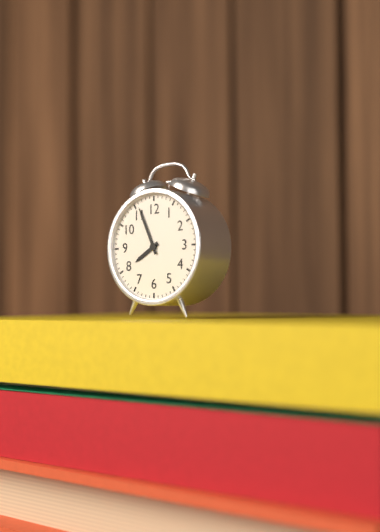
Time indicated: 7:56
